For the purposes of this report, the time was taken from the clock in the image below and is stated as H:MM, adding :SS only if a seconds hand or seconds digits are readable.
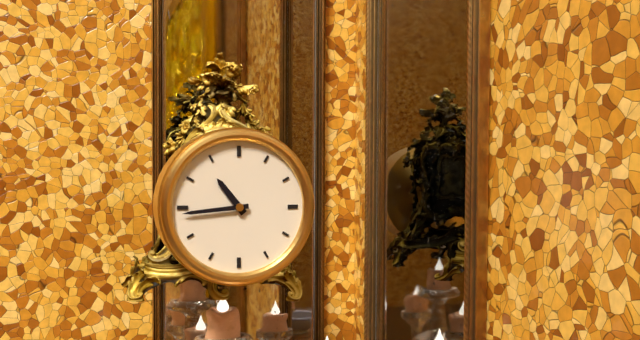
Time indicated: 10:44
